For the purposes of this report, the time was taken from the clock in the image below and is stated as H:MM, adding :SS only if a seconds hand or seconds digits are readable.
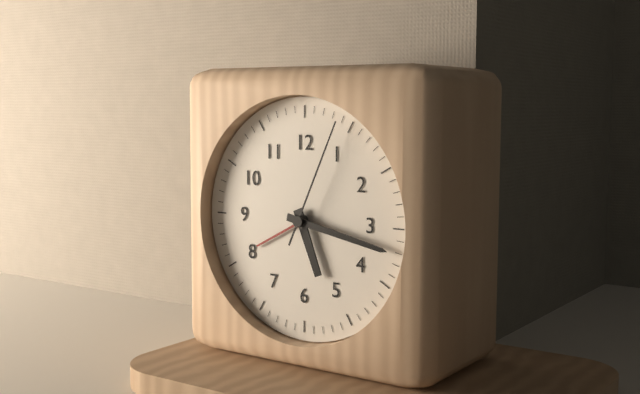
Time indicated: 5:17:04
